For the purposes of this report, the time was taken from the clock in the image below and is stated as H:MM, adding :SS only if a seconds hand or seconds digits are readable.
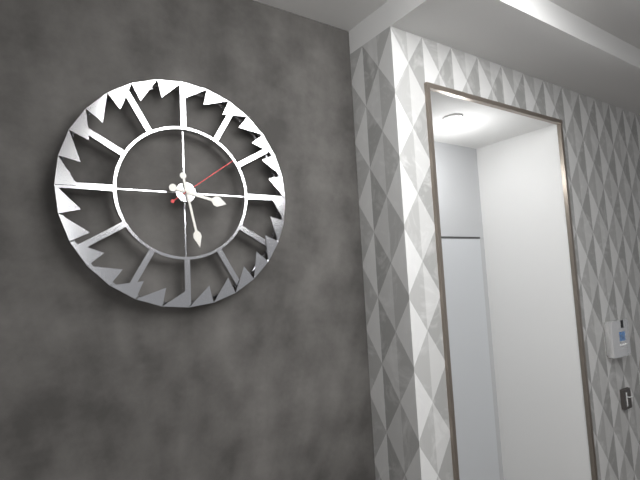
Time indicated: 3:28:09
